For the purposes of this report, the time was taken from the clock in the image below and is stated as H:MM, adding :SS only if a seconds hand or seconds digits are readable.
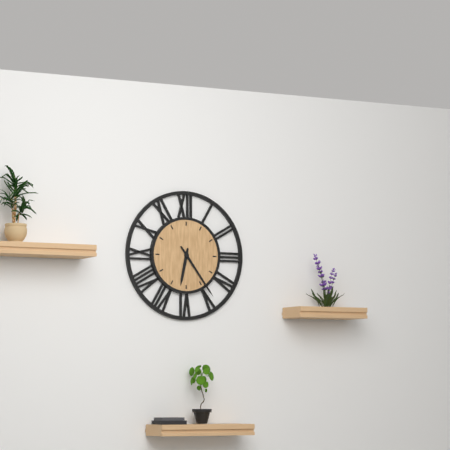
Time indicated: 6:24
